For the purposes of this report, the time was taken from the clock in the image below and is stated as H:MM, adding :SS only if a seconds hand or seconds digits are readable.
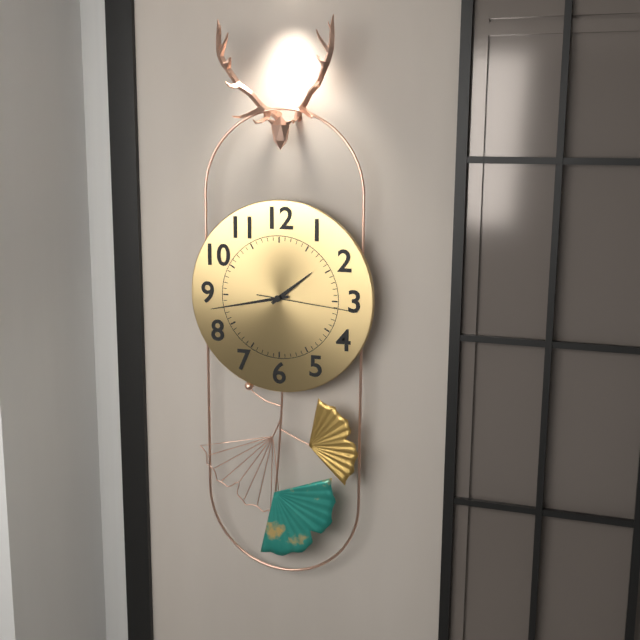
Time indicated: 1:43:16
